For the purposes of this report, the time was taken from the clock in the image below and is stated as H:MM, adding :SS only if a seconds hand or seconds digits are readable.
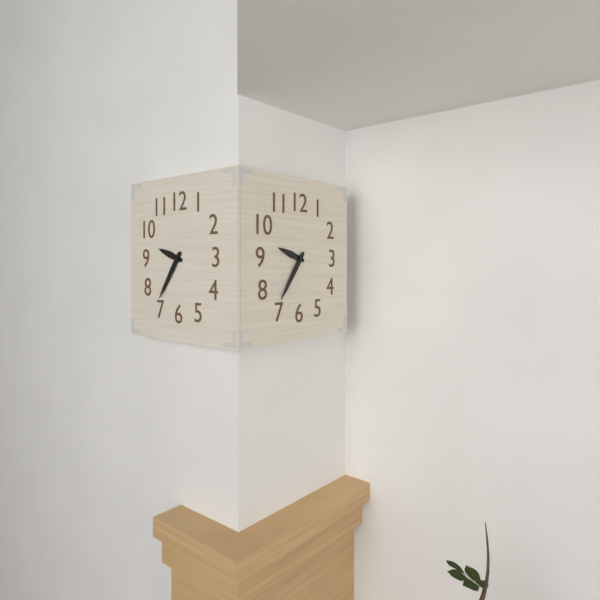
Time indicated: 9:36
